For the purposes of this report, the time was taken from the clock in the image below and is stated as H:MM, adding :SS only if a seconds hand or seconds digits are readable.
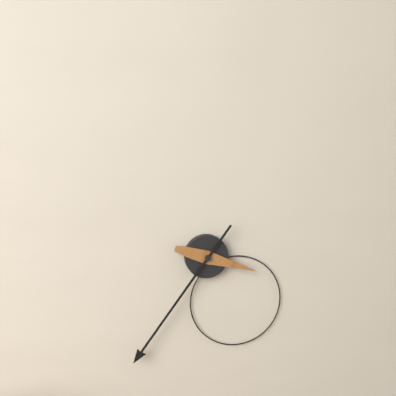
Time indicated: 3:36
